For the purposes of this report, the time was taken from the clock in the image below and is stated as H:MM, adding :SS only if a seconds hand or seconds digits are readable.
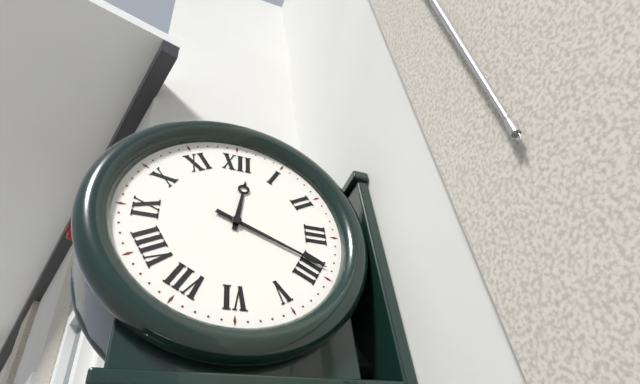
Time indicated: 12:19
